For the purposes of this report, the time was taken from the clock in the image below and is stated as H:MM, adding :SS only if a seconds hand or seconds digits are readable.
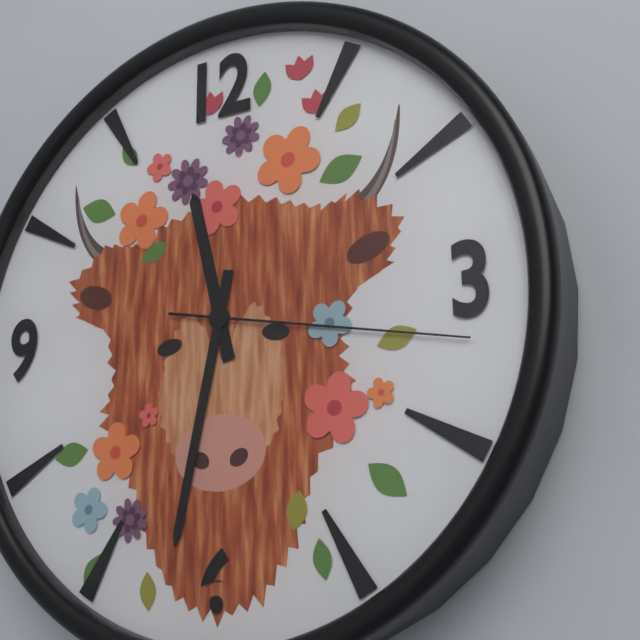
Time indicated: 11:32:17
